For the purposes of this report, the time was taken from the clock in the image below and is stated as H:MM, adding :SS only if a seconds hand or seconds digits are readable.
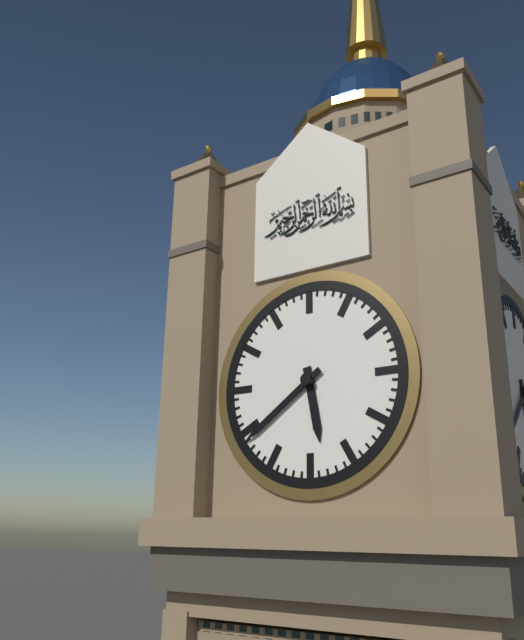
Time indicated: 5:39
